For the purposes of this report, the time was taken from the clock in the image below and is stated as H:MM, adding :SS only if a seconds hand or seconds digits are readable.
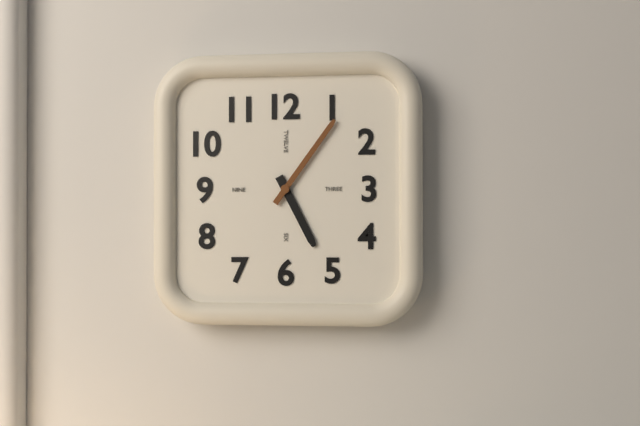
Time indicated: 5:06
